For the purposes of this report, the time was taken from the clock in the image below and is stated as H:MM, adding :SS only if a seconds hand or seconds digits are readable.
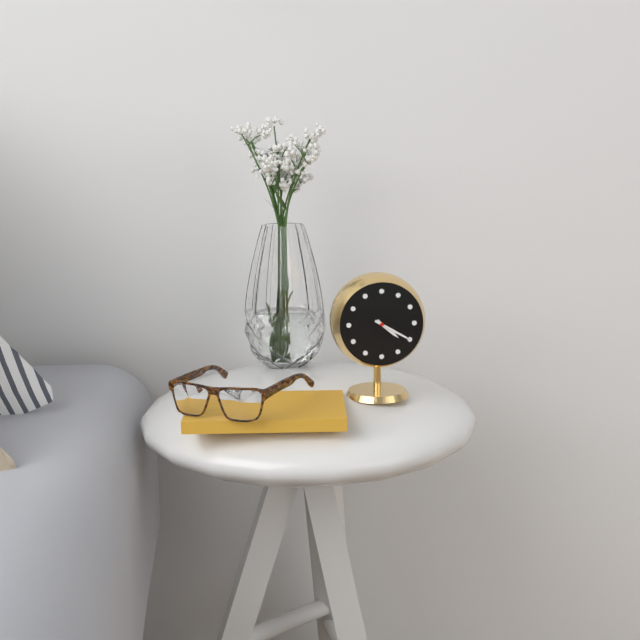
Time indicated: 4:20
